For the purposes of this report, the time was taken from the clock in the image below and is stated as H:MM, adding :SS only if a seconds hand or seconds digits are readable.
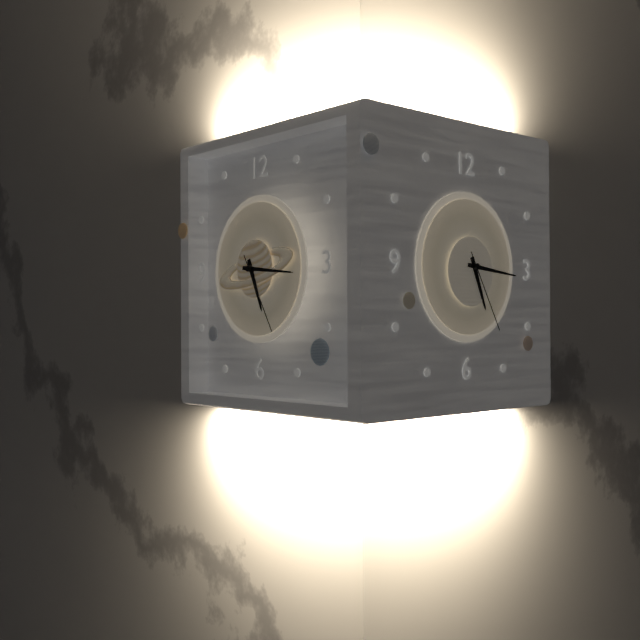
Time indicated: 5:16:25
